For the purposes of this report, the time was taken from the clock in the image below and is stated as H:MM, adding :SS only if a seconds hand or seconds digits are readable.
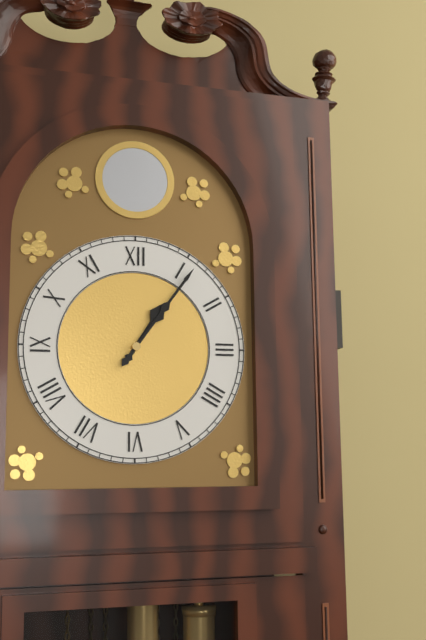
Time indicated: 1:06
